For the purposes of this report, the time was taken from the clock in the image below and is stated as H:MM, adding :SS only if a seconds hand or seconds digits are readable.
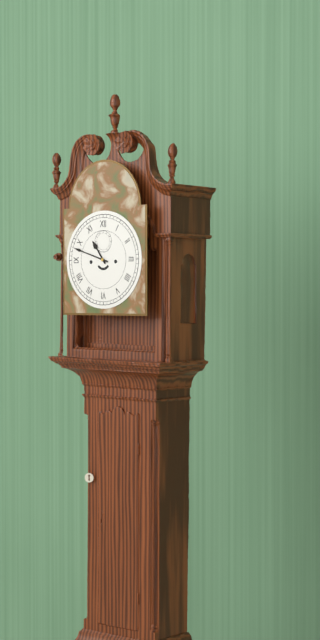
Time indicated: 10:48
